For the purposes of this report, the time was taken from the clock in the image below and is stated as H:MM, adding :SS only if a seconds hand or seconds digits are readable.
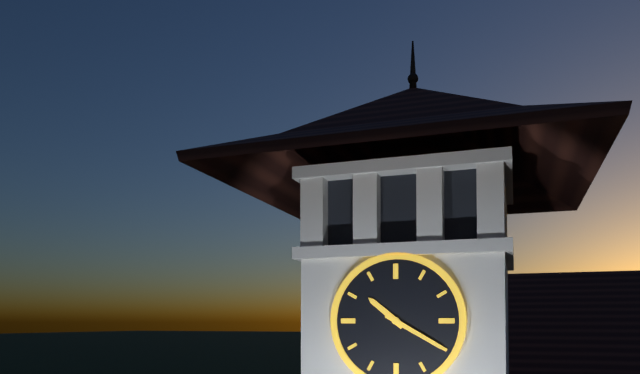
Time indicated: 10:20
